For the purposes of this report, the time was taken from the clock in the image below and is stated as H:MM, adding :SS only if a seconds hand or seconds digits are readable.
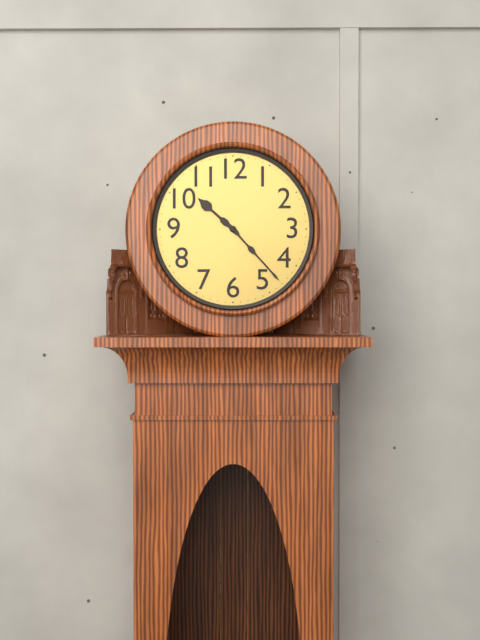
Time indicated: 10:23
